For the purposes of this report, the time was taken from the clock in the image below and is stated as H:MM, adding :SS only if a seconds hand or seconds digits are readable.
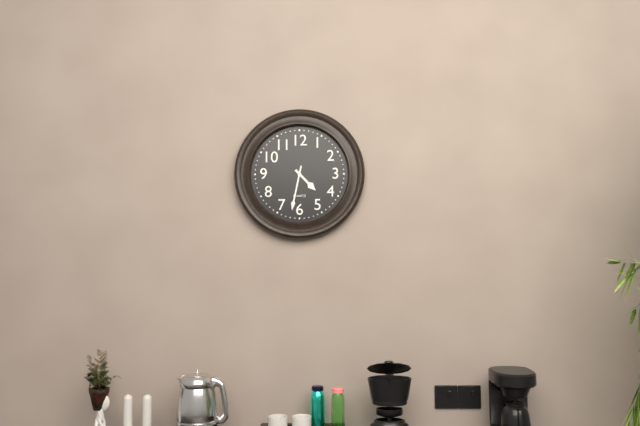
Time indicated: 4:32
